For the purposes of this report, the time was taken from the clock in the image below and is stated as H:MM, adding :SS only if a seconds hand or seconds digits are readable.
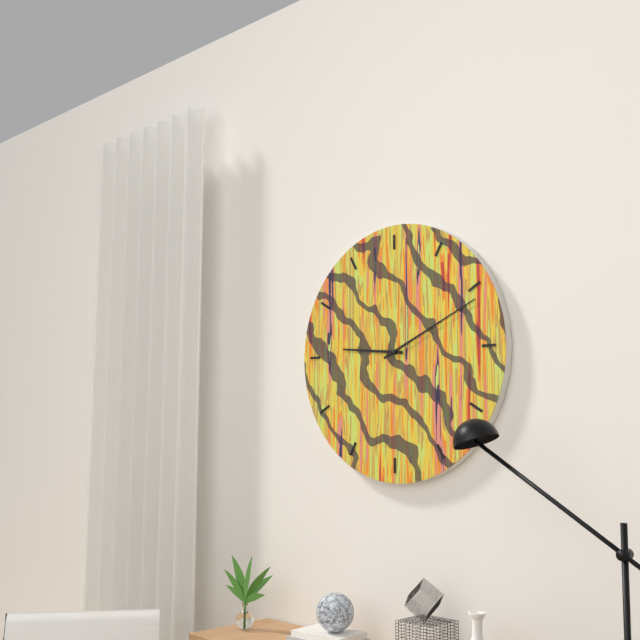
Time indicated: 9:11
